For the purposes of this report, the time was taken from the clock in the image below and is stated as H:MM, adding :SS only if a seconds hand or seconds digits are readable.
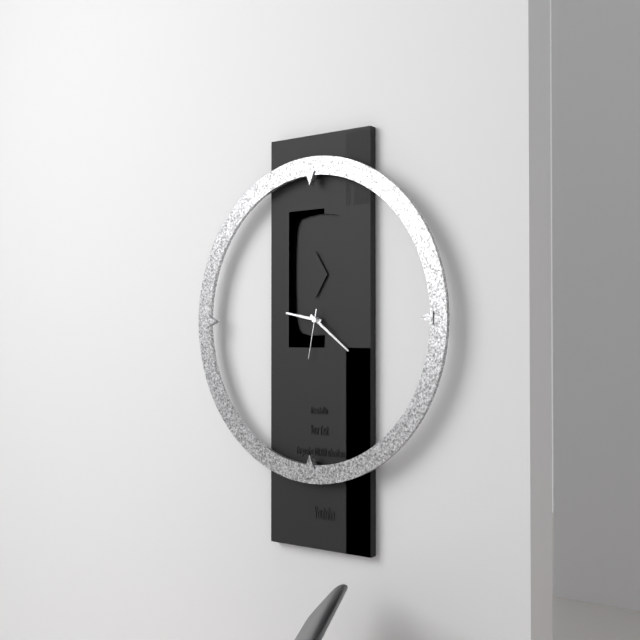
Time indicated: 9:21
